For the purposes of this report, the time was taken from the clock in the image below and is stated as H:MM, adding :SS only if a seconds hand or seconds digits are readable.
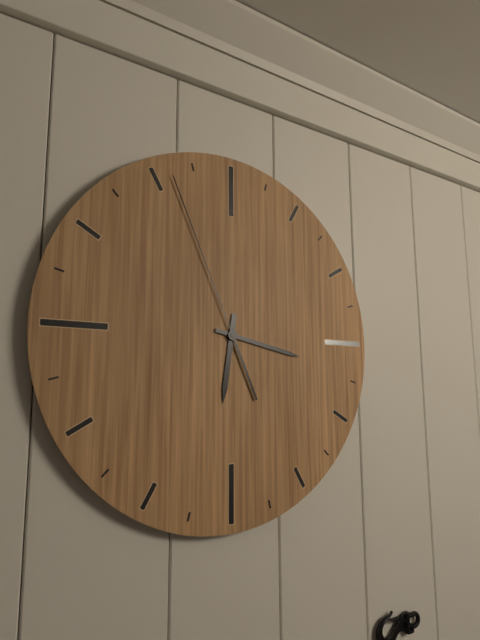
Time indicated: 6:17:56
